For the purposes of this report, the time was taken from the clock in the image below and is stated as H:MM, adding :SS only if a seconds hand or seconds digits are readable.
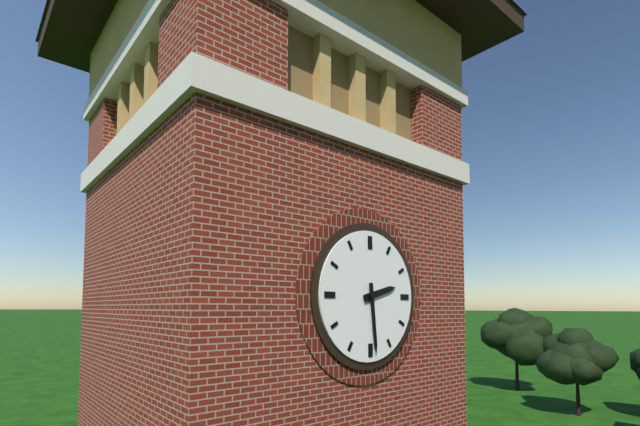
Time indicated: 2:29
